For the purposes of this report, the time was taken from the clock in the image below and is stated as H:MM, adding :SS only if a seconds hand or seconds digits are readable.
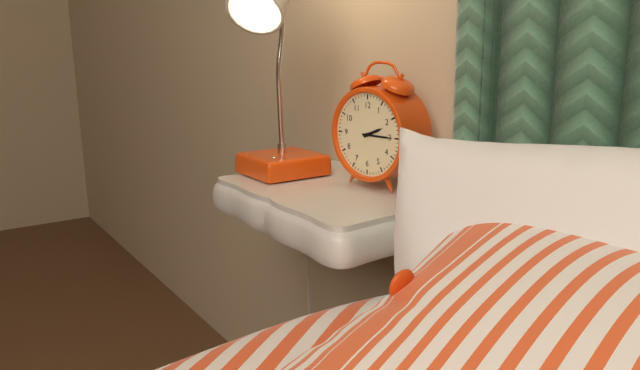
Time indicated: 2:15
